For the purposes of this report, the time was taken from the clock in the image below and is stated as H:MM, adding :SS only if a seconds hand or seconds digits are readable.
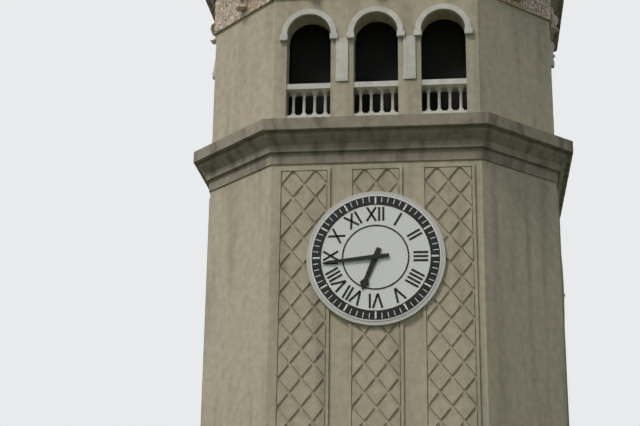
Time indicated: 6:44
